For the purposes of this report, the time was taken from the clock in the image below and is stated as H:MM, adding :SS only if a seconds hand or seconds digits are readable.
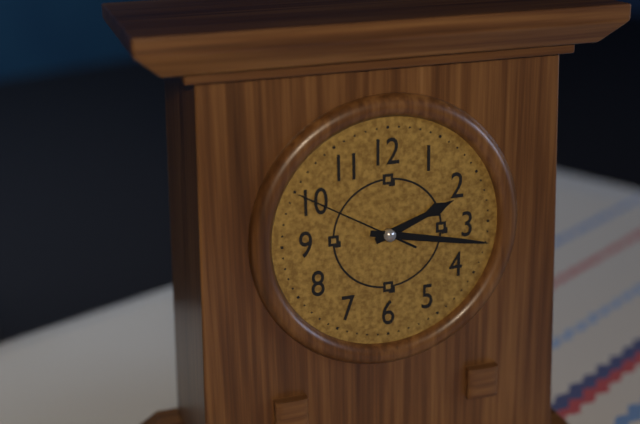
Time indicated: 2:17:50
